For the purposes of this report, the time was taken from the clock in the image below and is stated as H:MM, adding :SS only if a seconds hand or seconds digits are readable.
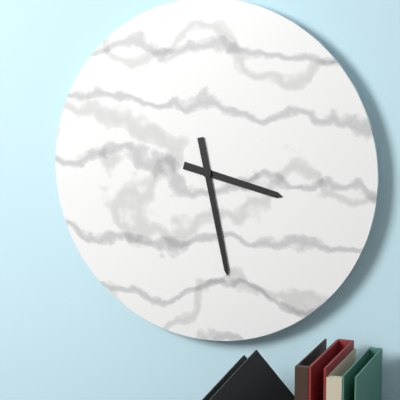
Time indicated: 3:28
